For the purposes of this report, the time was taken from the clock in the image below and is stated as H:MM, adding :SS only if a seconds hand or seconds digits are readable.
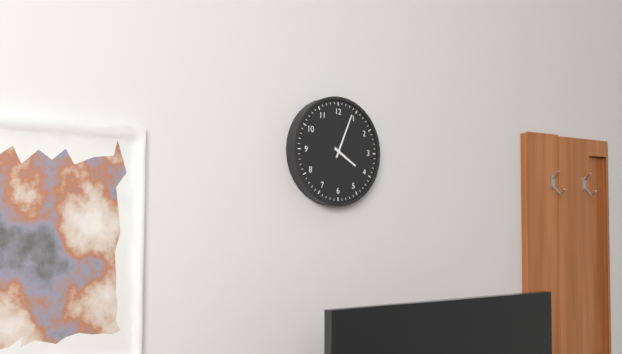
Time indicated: 4:04
